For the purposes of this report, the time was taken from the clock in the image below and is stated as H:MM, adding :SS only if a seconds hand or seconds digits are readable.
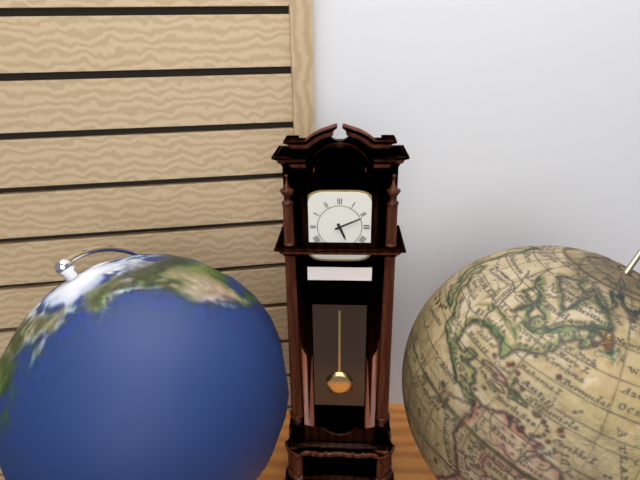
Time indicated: 5:11
